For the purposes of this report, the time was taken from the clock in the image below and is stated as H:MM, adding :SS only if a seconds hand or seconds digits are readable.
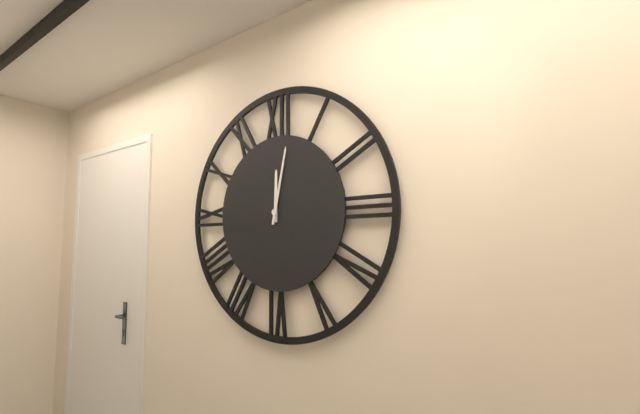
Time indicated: 12:02
